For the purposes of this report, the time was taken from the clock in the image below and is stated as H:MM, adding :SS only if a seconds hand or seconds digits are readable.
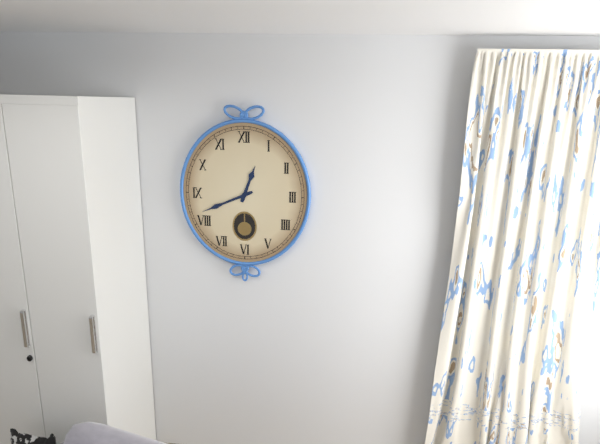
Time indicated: 12:41
